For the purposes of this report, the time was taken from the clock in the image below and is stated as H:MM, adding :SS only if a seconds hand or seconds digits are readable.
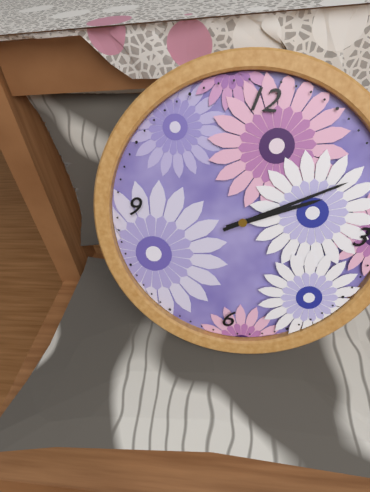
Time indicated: 2:10
